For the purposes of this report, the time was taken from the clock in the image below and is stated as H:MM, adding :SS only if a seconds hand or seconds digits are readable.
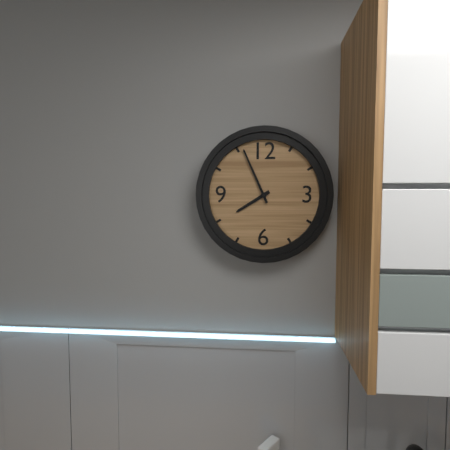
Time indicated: 7:56
